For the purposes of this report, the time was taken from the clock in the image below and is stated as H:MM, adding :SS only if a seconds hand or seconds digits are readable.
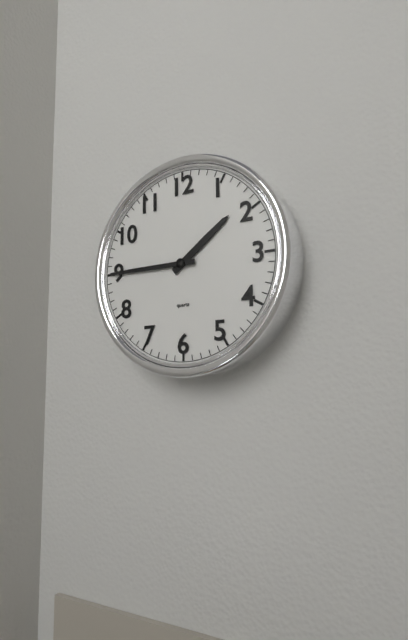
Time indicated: 1:45
